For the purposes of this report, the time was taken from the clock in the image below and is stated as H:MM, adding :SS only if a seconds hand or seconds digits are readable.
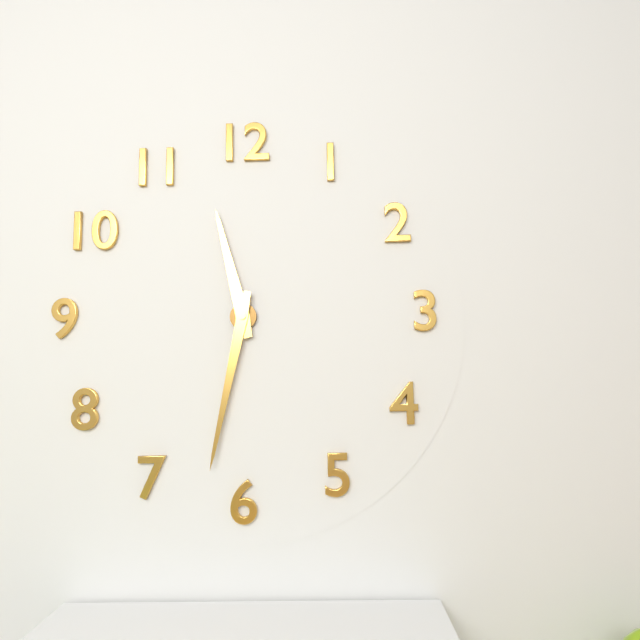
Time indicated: 11:32
